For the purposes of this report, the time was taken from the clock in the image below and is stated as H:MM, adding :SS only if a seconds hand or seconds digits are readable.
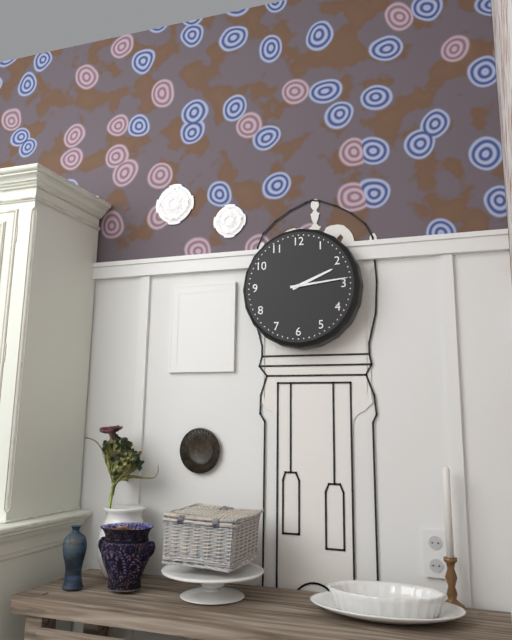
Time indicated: 2:14
